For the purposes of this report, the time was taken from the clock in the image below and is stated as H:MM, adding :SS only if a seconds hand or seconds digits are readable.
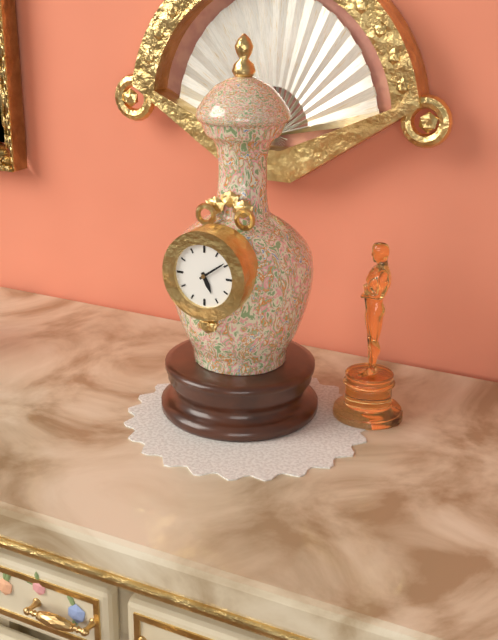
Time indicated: 5:09
